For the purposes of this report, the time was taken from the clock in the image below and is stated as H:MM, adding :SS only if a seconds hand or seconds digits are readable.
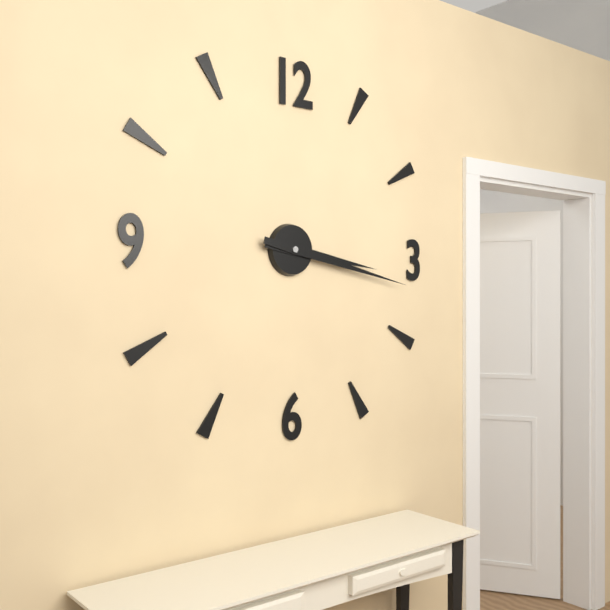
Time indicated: 3:17
